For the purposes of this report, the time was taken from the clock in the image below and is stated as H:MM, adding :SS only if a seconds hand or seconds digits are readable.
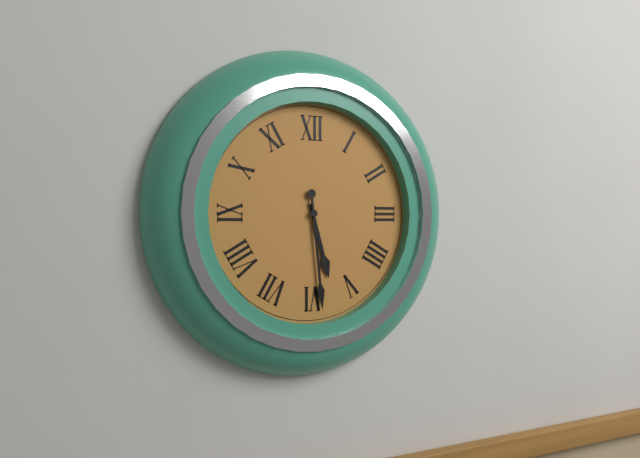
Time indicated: 5:29
